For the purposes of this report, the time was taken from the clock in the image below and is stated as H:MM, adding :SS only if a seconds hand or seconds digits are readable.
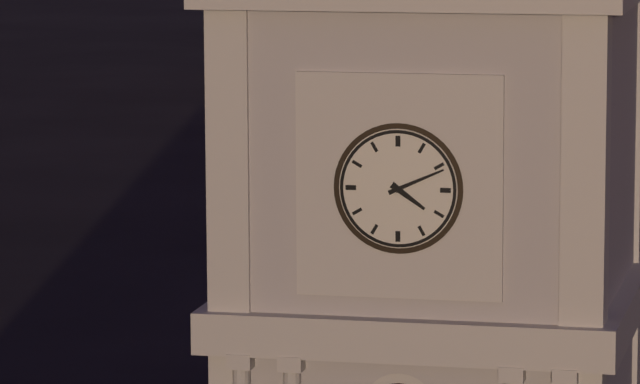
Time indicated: 4:11
